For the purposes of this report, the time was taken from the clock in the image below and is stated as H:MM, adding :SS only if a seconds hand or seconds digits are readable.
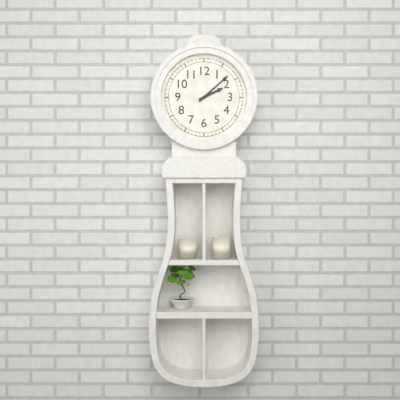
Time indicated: 2:08
